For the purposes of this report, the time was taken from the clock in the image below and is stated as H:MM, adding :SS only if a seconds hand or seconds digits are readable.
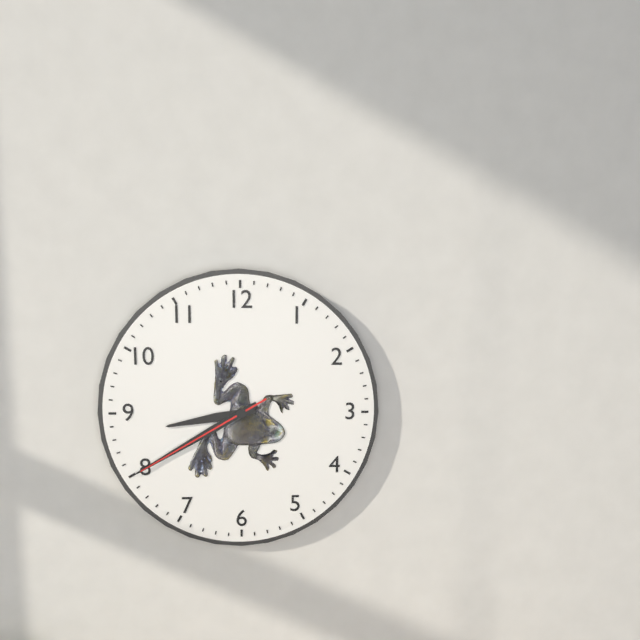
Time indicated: 8:40:40
